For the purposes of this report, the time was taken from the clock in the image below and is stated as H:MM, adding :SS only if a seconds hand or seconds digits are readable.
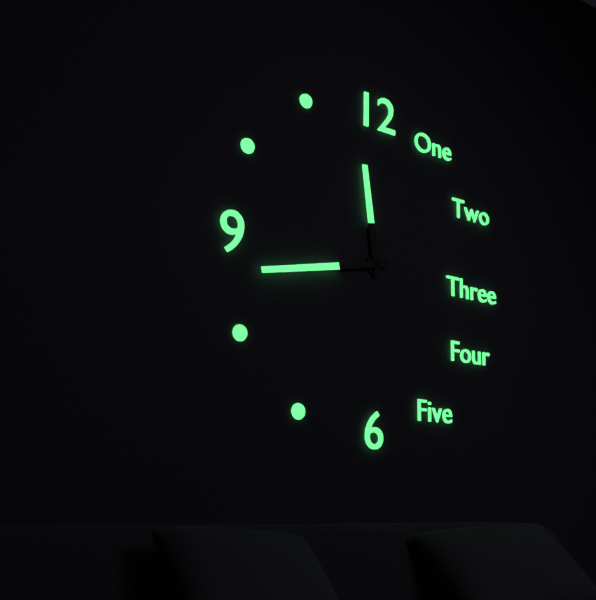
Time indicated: 11:43
